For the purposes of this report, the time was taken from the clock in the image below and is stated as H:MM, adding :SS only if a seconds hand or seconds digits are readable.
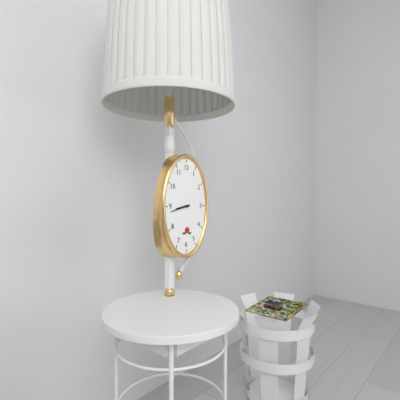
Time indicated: 8:43
